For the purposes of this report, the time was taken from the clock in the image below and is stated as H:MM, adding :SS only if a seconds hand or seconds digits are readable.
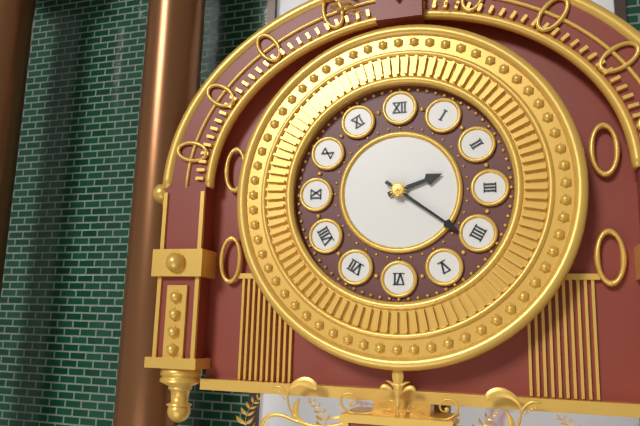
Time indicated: 2:21
